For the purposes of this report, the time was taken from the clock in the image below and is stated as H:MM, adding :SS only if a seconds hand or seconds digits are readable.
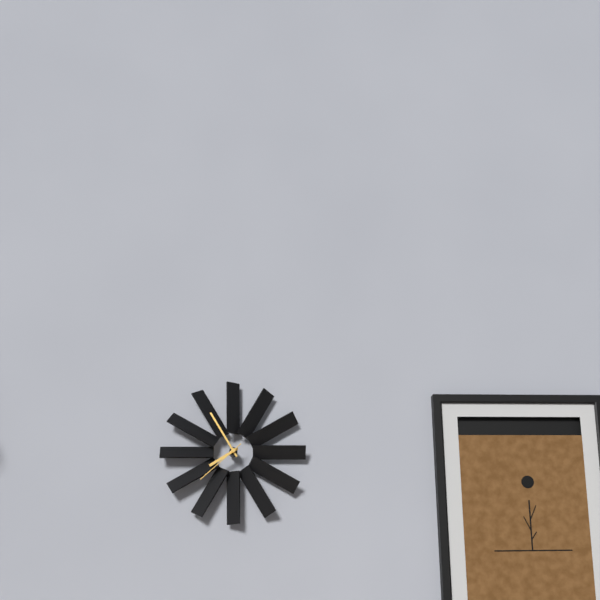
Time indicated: 7:55:38
